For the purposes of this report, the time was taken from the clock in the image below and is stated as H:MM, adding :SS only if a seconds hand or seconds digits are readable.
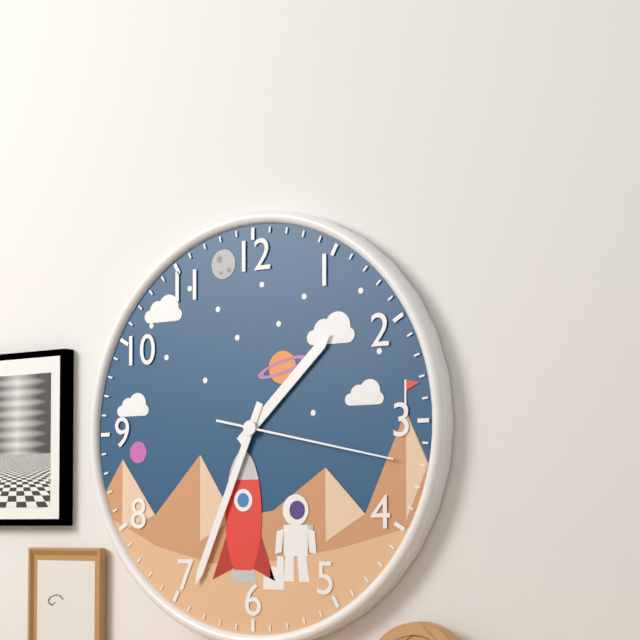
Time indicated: 1:34:17
